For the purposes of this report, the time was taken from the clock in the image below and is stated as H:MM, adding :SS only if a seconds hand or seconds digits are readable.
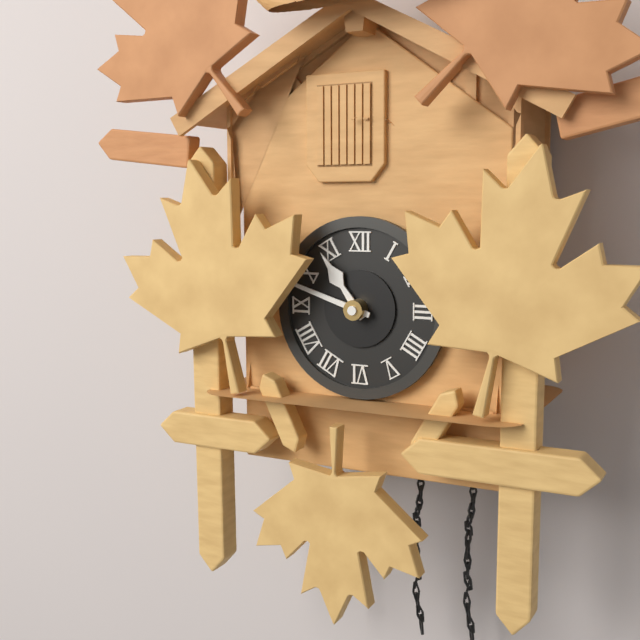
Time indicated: 10:48
